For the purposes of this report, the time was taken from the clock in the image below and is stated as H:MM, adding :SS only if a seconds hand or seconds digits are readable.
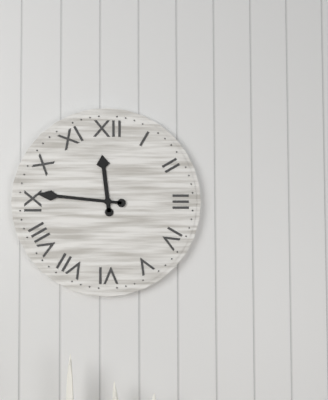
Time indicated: 11:46
